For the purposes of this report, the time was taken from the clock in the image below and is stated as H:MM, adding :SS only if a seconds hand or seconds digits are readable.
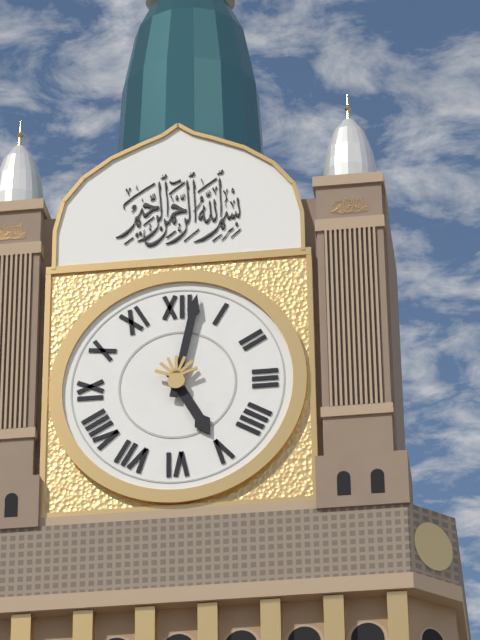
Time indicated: 5:02
